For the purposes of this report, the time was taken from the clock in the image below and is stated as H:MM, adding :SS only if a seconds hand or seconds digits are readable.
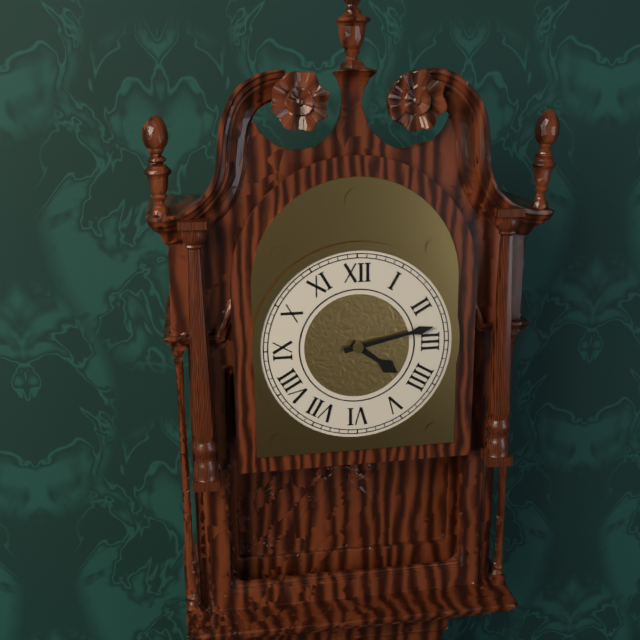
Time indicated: 4:13
